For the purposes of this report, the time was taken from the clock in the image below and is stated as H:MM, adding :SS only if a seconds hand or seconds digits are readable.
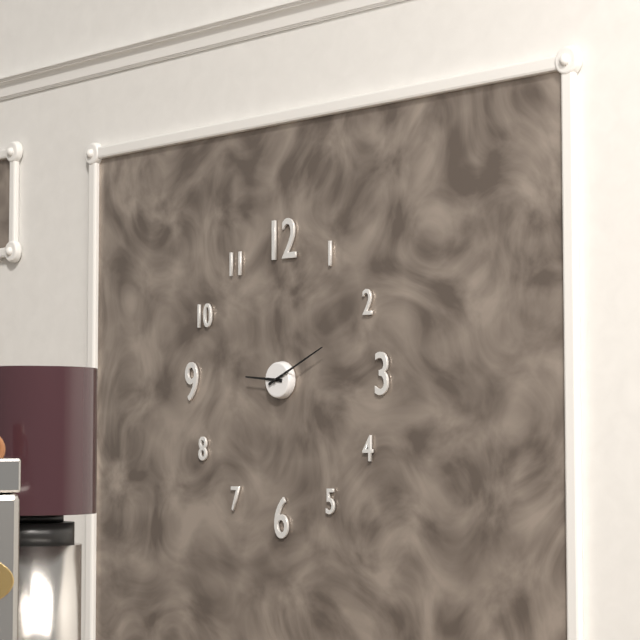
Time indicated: 9:11
